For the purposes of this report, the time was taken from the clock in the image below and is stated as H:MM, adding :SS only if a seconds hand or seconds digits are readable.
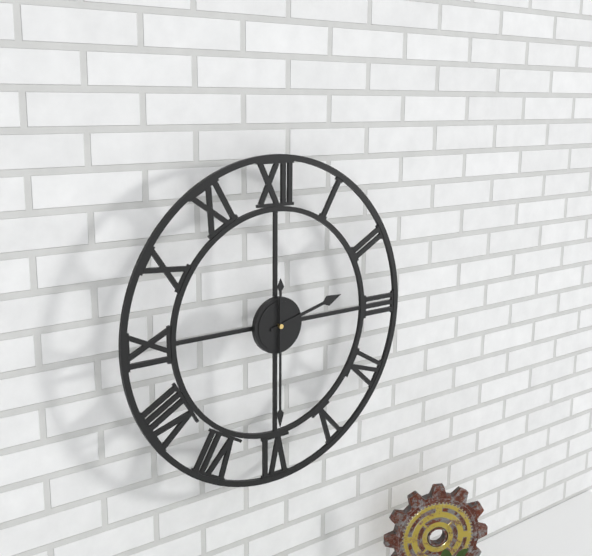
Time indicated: 2:30
